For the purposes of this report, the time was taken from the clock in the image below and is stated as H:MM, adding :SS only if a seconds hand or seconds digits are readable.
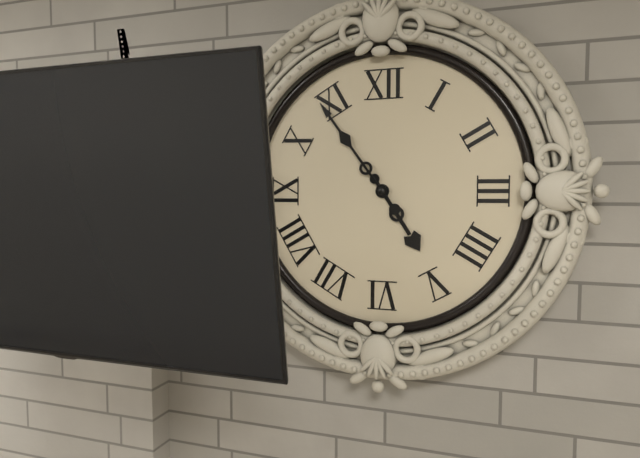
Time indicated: 4:54
